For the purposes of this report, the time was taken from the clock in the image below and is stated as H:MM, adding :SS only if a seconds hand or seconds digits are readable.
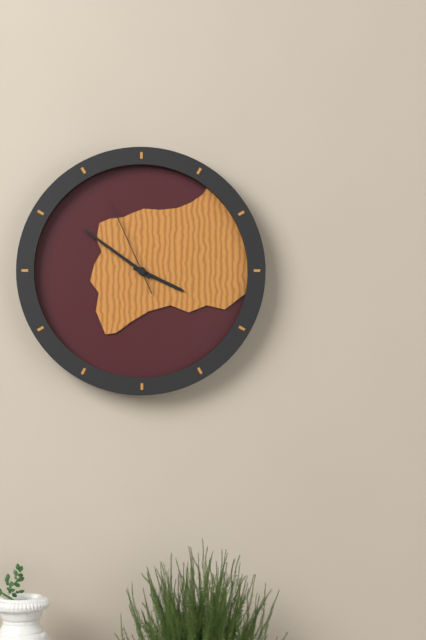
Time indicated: 3:51:56
